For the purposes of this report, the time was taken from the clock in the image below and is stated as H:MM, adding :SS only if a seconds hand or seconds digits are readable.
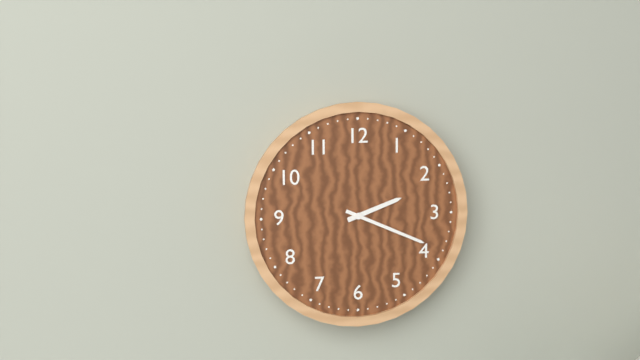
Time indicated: 2:19
